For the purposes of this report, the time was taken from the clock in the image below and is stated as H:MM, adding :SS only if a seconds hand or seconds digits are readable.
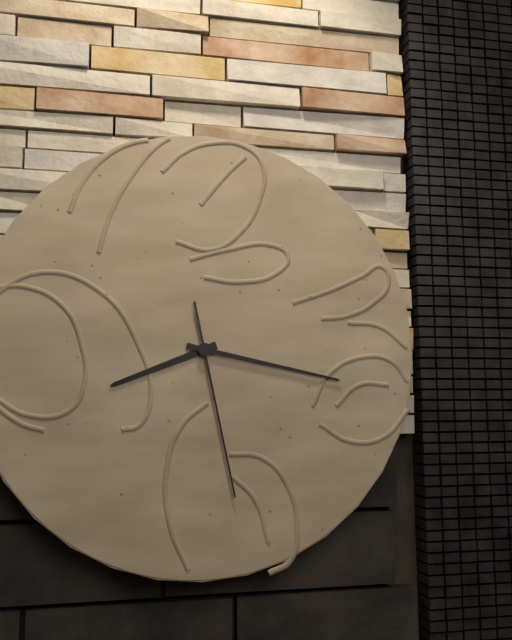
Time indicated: 8:17:28
